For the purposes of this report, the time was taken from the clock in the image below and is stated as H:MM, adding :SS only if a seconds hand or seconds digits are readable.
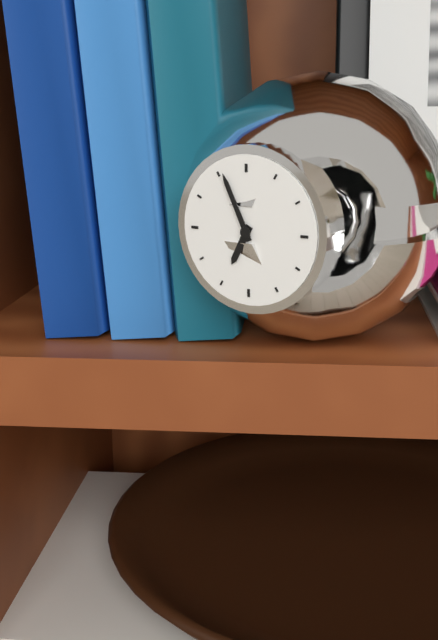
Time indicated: 6:56
